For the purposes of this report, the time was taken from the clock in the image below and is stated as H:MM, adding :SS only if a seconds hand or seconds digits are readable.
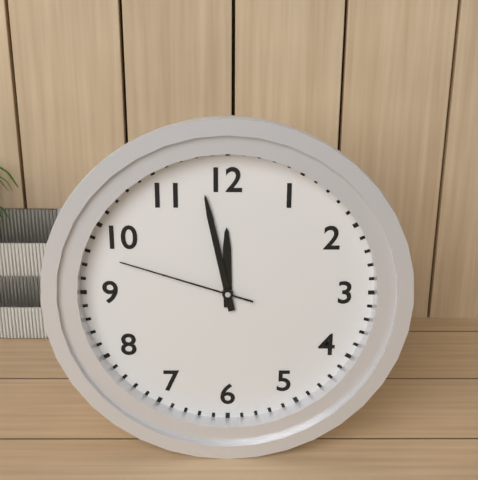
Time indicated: 11:58:48
